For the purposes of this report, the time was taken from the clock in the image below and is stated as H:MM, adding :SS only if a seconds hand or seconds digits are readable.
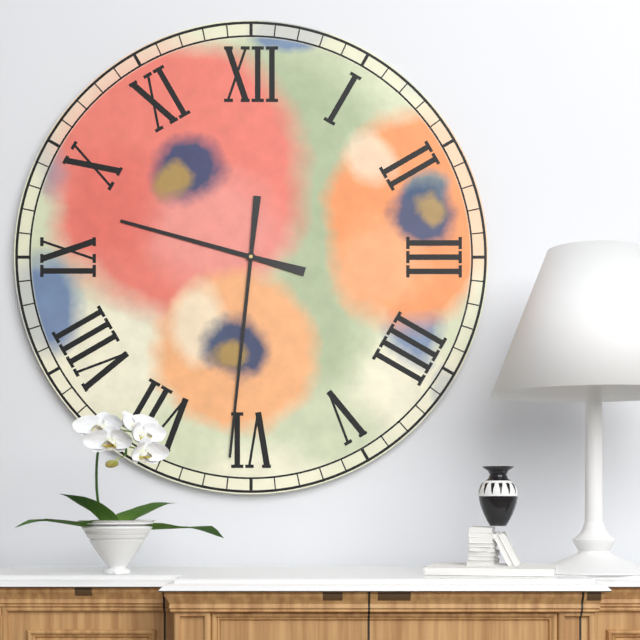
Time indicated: 9:31
